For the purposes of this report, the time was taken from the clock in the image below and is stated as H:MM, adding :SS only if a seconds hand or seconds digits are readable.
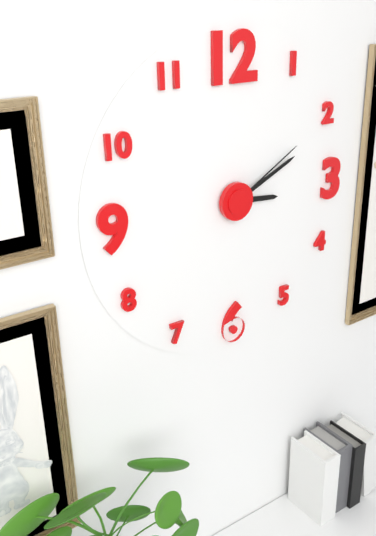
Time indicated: 3:11:10
